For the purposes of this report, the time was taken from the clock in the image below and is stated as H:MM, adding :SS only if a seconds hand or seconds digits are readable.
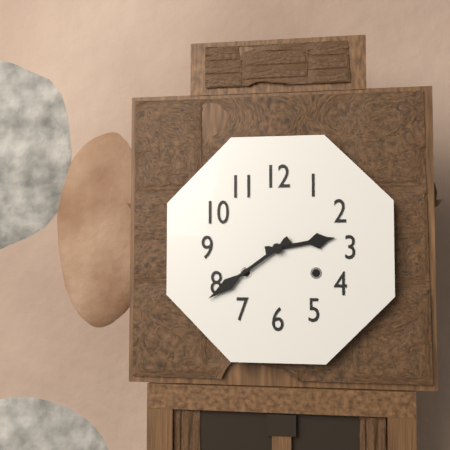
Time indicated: 2:39
